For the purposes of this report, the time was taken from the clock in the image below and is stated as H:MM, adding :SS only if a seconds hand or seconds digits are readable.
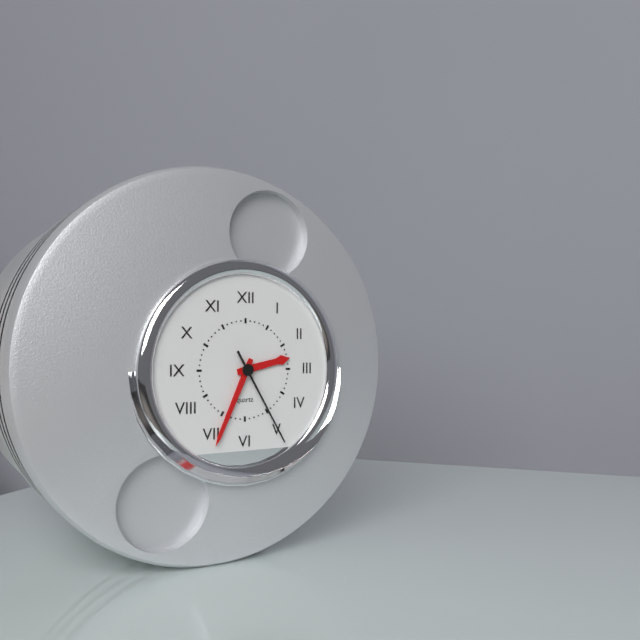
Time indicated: 2:34:25
